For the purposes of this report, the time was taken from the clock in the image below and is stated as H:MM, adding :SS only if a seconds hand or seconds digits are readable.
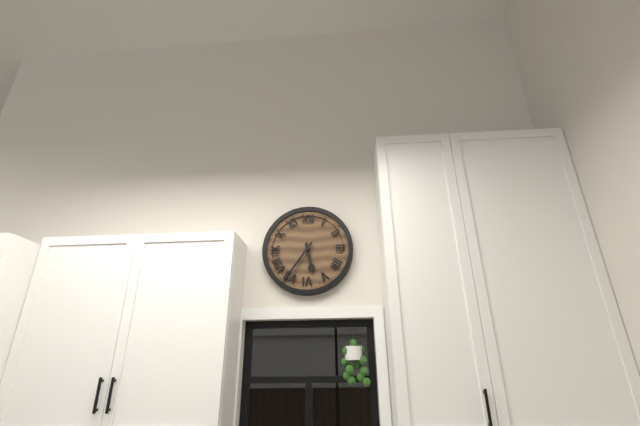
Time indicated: 5:36
